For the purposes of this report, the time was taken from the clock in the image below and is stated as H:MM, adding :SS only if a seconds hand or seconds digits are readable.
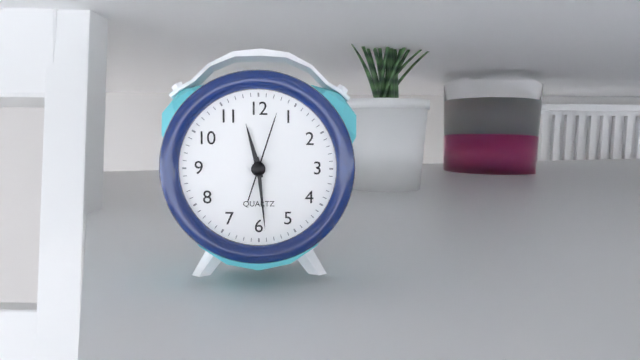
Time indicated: 11:29:03
